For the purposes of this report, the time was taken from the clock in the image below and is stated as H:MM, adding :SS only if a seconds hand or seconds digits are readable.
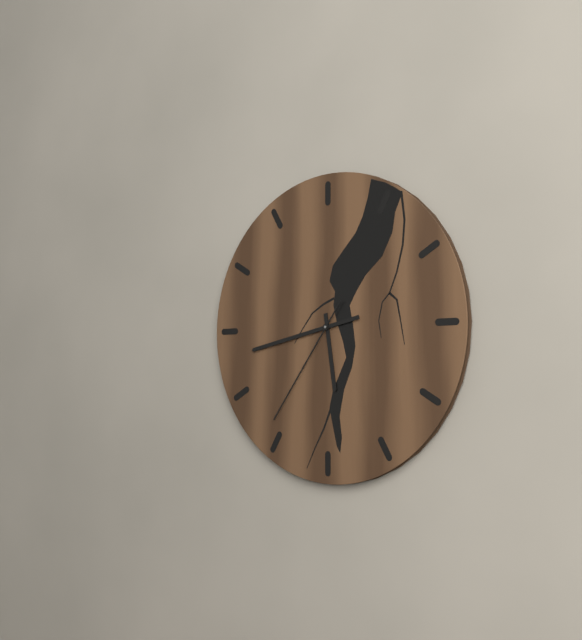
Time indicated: 5:43:36
